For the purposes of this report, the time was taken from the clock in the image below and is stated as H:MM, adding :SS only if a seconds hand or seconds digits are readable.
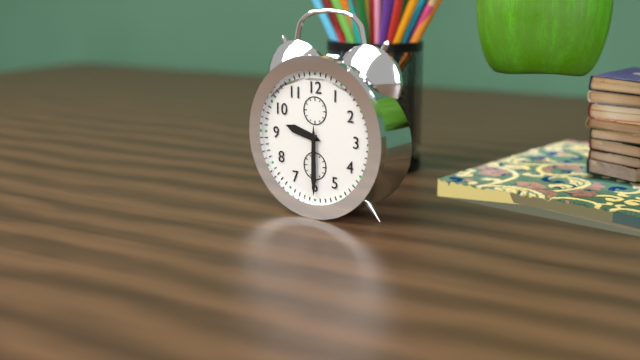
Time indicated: 9:30
